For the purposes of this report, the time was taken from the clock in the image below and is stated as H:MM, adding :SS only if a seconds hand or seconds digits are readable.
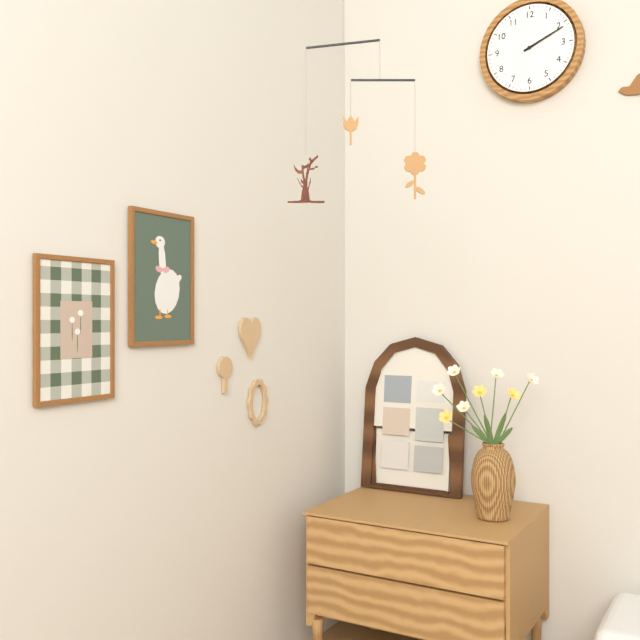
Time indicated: 2:11
